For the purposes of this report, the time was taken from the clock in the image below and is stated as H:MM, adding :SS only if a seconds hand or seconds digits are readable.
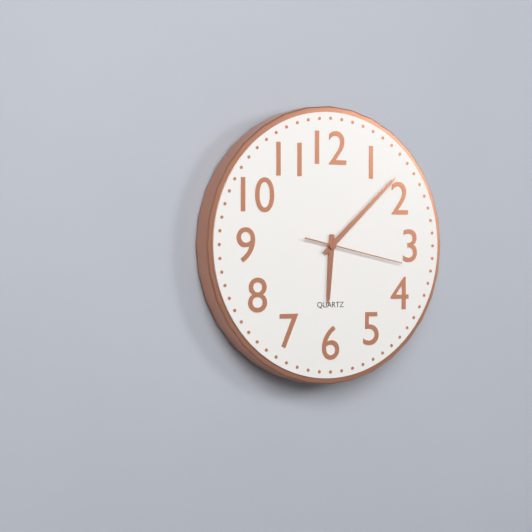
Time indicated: 6:08:17
